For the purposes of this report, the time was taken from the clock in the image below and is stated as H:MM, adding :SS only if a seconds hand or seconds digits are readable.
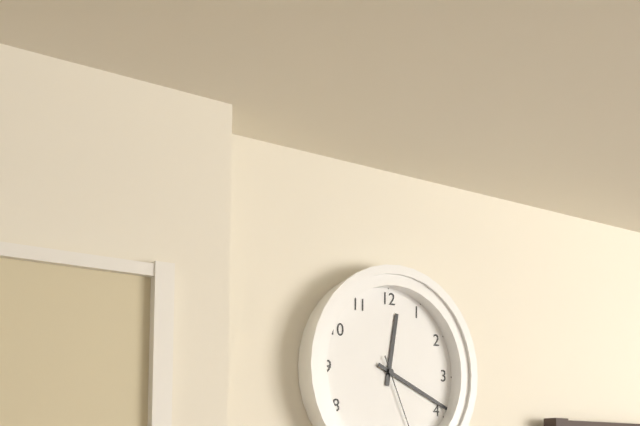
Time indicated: 12:19
